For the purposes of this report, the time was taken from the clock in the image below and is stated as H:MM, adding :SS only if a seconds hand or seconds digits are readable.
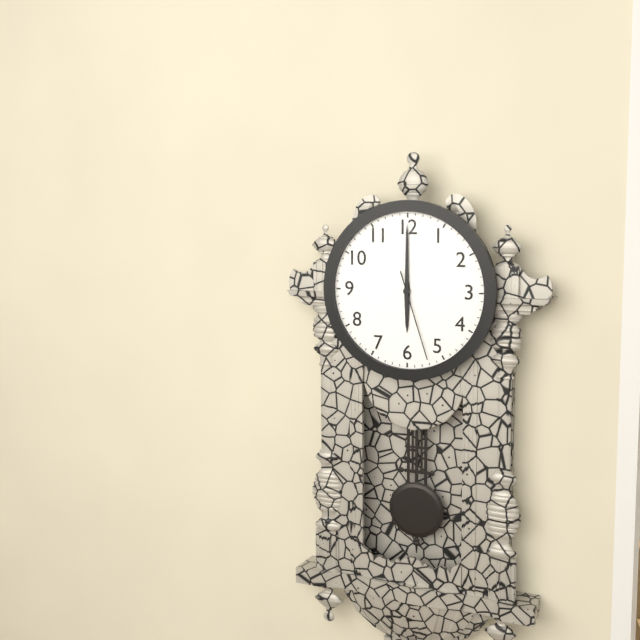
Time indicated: 6:00:27
